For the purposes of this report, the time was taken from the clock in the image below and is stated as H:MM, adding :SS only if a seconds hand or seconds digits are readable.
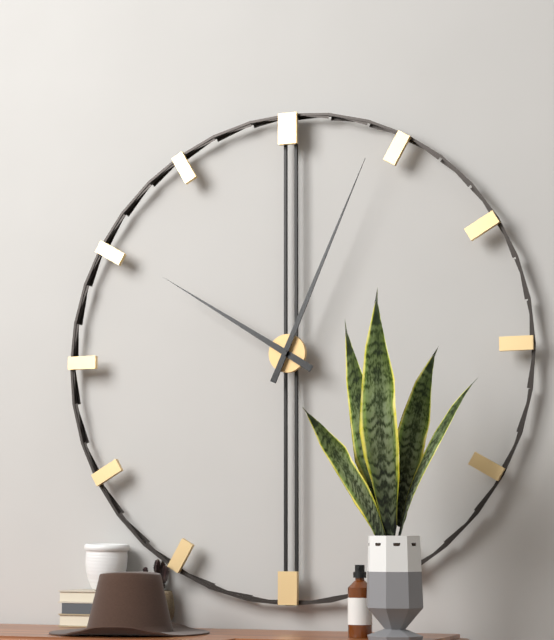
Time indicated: 10:04
